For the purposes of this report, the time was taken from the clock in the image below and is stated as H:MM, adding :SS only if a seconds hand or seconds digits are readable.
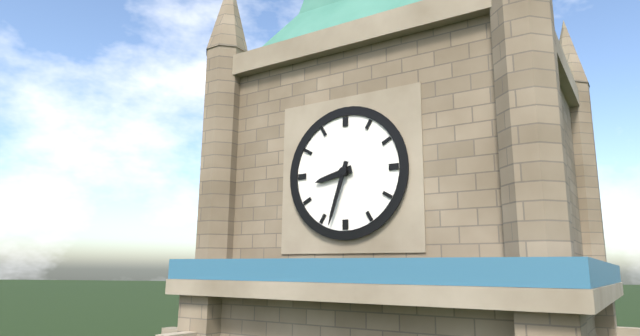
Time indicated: 8:33
